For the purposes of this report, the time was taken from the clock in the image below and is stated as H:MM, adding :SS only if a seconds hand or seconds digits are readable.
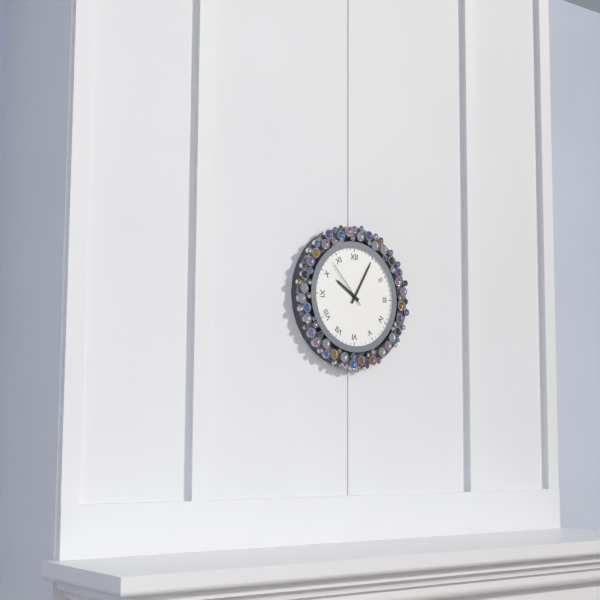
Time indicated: 10:05:53
